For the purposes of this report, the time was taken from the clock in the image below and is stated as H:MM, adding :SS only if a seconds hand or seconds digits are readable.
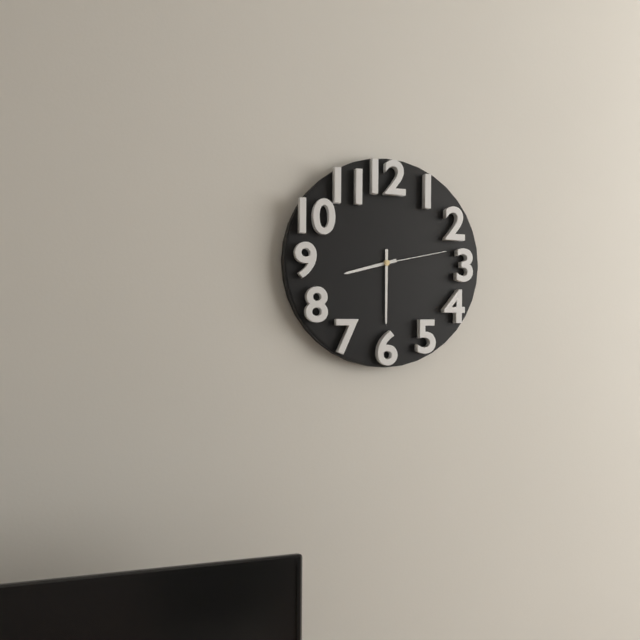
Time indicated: 8:30:13
